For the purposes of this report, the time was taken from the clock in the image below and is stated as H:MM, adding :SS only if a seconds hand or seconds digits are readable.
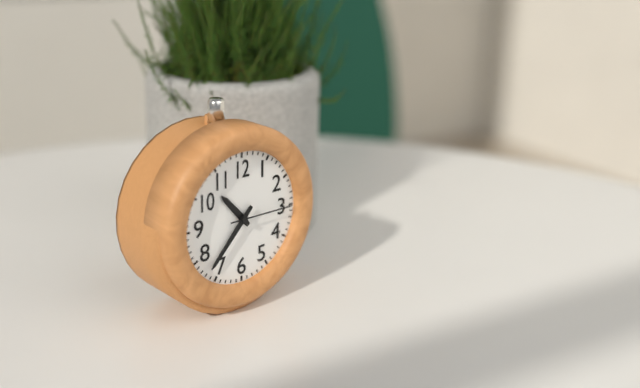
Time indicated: 10:37:15
